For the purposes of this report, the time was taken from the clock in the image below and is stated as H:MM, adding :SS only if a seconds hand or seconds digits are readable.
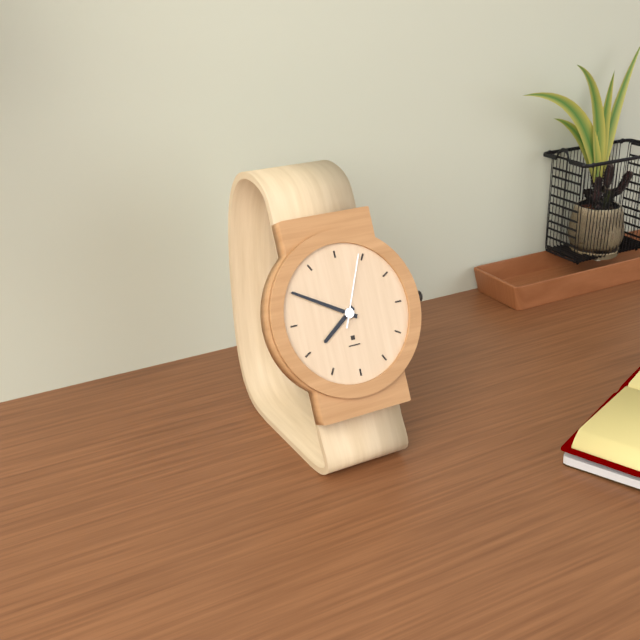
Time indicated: 7:50:04
